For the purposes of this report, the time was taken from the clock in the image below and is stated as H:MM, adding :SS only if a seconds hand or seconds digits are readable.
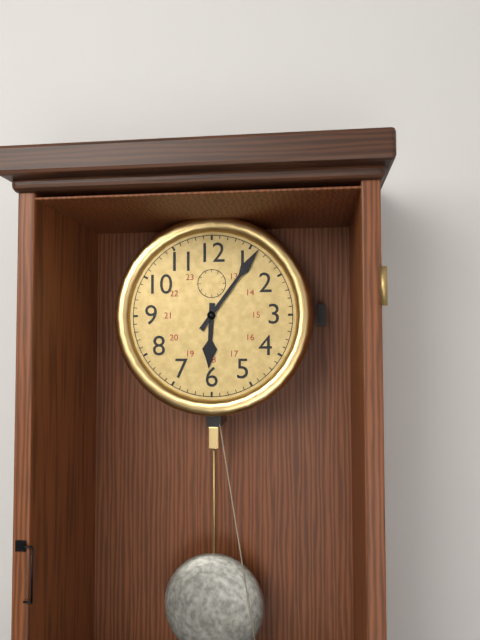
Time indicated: 6:06
